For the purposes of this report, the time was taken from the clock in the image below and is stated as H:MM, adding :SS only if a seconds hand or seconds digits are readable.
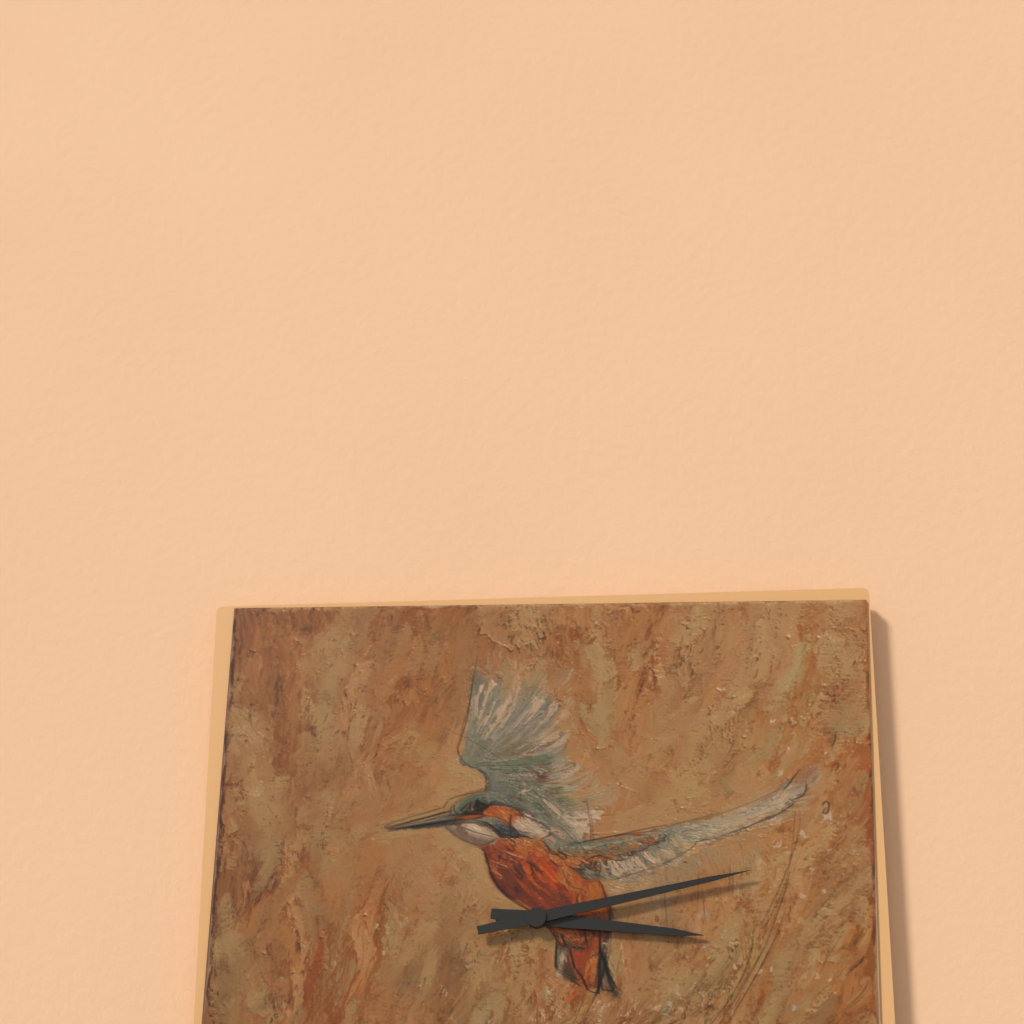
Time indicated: 3:13
